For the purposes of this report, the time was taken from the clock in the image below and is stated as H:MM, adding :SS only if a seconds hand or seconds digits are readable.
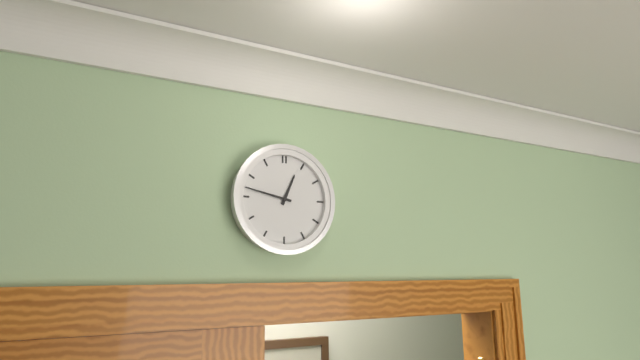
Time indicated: 12:47
